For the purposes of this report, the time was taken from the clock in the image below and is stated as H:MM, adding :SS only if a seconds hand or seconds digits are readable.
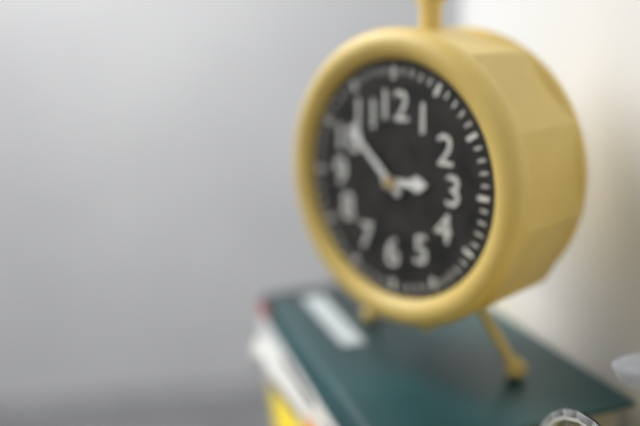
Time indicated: 2:52
